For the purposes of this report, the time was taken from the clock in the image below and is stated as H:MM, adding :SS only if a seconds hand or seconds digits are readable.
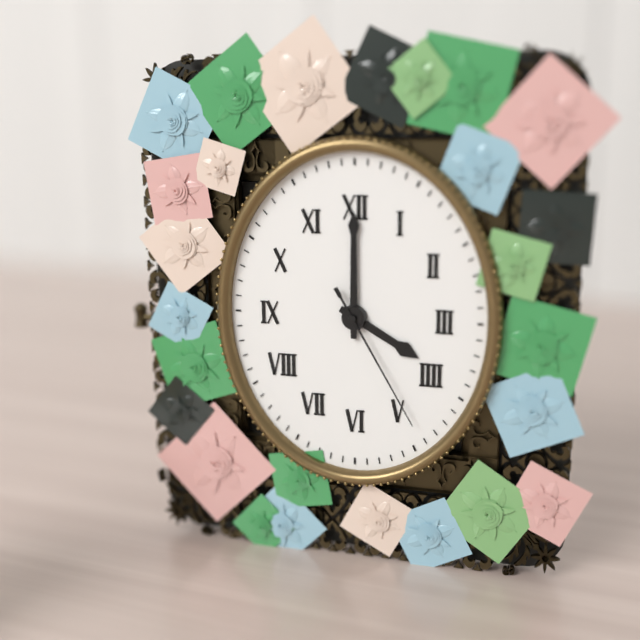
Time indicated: 4:00:25
